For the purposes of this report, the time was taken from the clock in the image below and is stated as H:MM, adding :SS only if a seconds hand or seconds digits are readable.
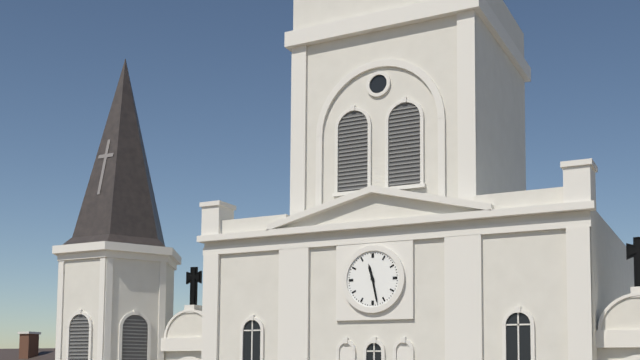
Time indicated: 11:28
